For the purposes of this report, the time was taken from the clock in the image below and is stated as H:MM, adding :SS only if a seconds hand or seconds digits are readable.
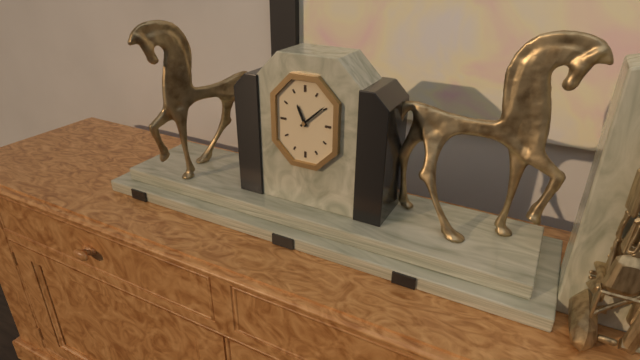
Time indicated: 11:08
